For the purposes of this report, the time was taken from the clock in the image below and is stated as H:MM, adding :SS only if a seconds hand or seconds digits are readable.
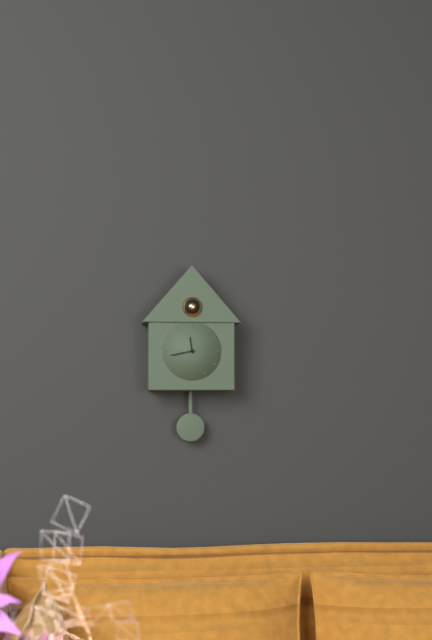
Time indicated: 11:43
